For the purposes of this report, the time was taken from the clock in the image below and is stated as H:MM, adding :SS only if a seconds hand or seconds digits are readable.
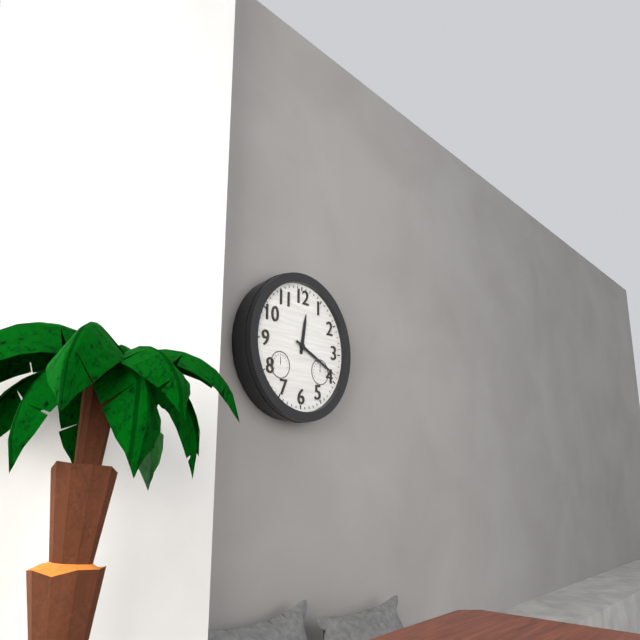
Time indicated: 12:19
